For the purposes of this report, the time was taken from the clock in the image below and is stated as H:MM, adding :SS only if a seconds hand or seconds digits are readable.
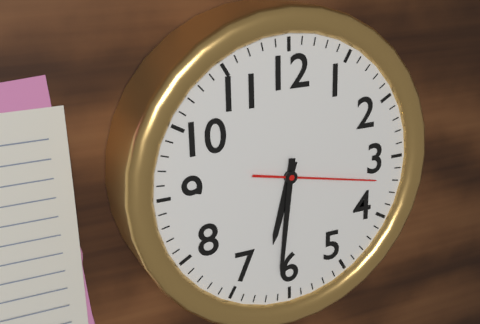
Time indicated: 6:31:17
